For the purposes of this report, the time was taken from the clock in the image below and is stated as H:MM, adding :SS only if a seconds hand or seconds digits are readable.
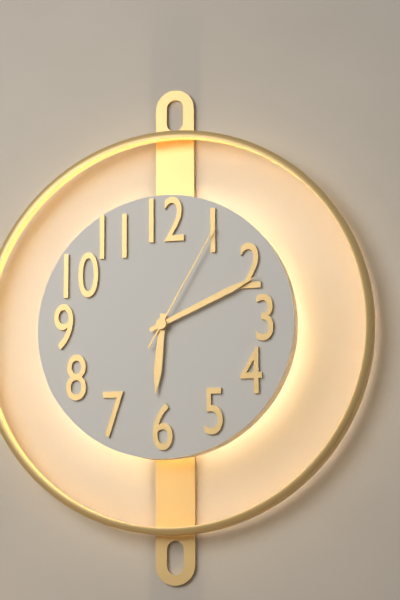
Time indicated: 6:11:05
